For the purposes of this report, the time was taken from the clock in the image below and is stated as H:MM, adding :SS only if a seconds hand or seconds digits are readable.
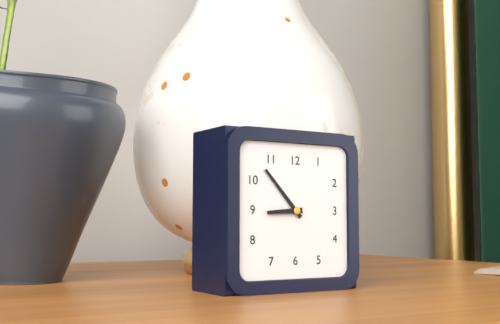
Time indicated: 8:53
